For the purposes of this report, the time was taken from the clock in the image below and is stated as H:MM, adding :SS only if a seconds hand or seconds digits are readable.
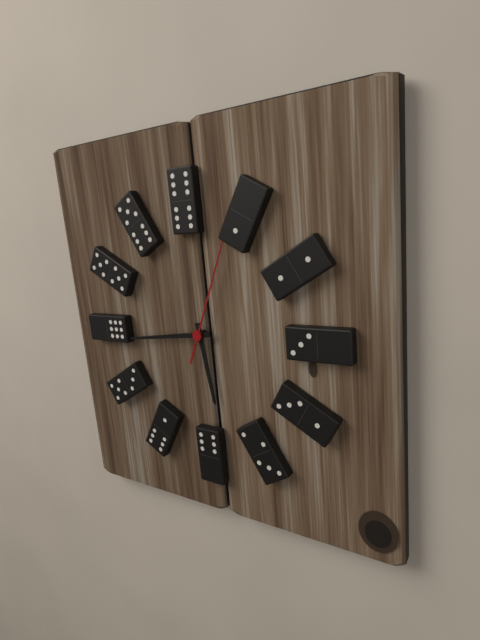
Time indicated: 5:44:04
